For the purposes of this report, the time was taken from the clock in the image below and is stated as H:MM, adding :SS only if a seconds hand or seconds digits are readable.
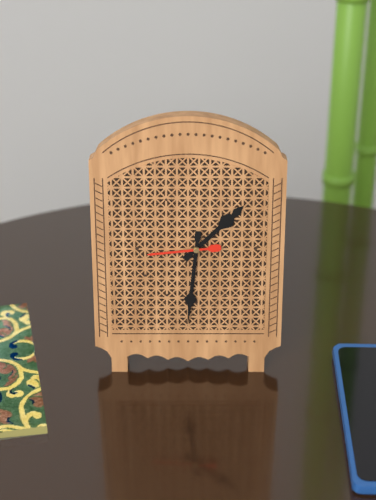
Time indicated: 1:31:44
